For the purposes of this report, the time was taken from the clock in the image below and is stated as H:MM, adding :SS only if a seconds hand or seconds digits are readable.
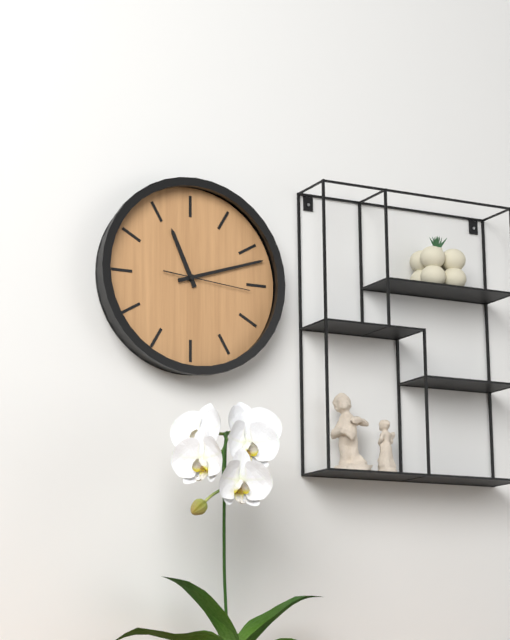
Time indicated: 11:12:16
